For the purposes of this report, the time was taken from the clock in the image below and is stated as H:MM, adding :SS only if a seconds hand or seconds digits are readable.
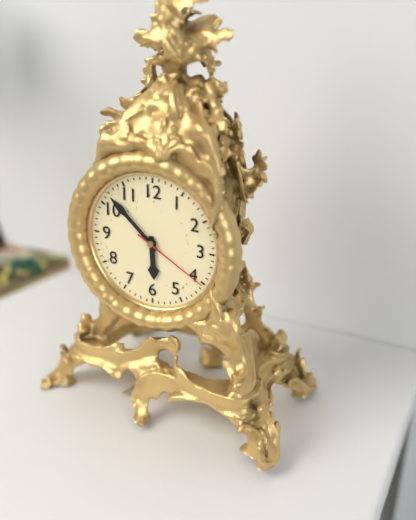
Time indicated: 5:52:20
